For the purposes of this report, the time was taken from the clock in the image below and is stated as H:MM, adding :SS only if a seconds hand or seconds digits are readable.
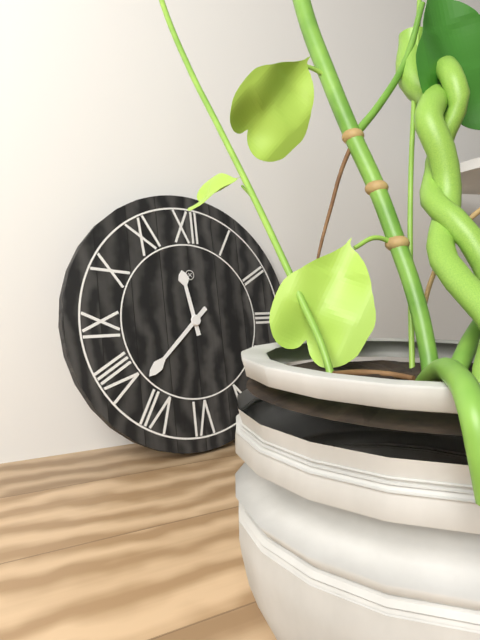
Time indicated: 11:38
